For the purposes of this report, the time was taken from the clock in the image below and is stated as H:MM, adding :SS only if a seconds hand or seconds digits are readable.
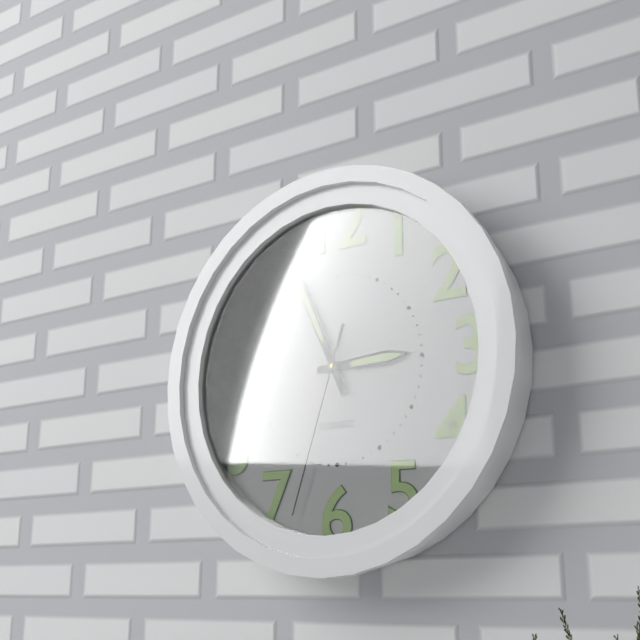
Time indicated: 2:56:33
